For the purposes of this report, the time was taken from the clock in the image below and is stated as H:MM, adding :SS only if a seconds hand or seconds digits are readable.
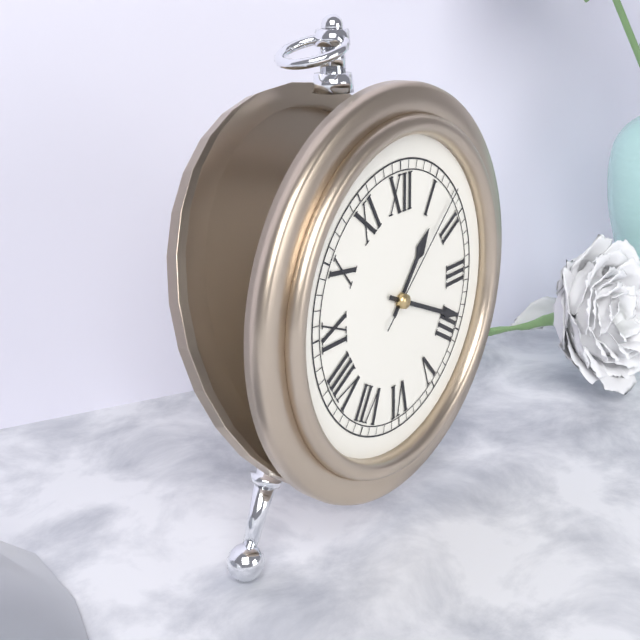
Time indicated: 1:19:08
